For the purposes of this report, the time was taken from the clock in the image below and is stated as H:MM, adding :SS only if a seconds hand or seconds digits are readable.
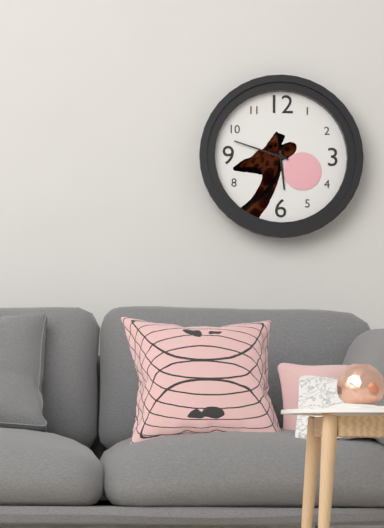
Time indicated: 5:48
